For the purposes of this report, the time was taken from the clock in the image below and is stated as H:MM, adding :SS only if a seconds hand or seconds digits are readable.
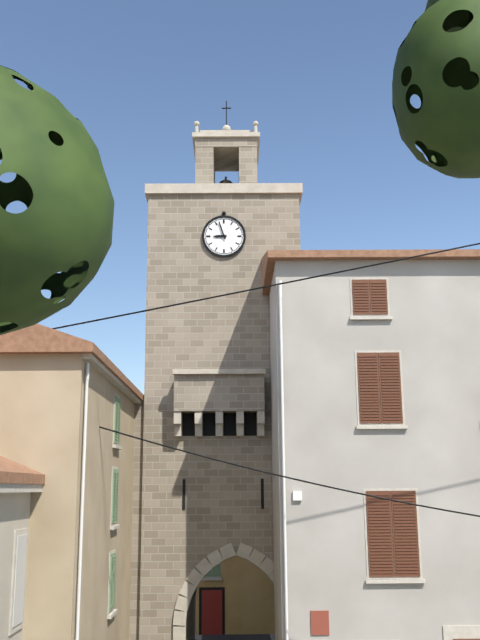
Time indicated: 8:57
